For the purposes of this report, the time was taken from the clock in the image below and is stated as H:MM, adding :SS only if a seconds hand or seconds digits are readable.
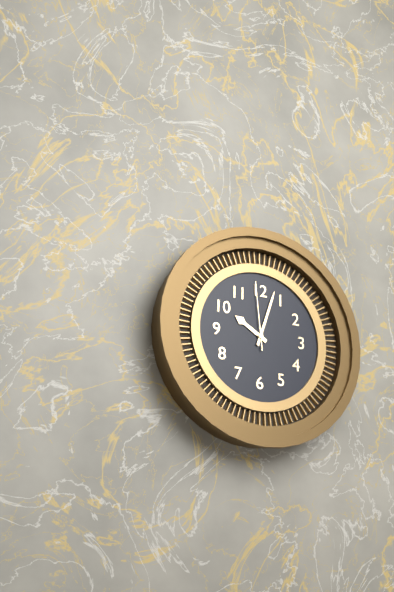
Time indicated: 10:03:59
